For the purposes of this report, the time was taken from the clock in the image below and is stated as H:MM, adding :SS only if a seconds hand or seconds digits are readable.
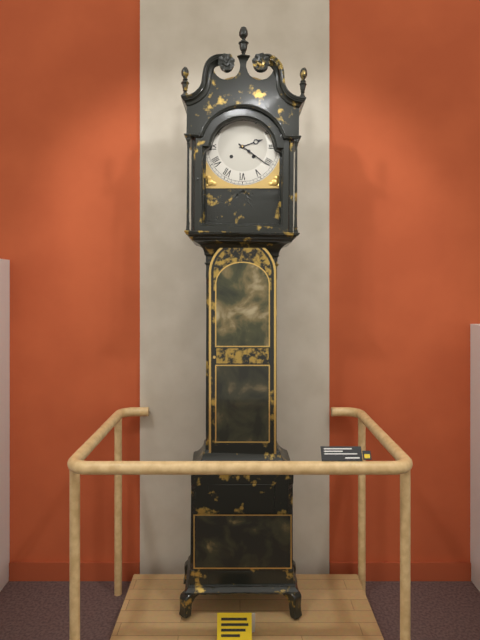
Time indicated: 2:21
